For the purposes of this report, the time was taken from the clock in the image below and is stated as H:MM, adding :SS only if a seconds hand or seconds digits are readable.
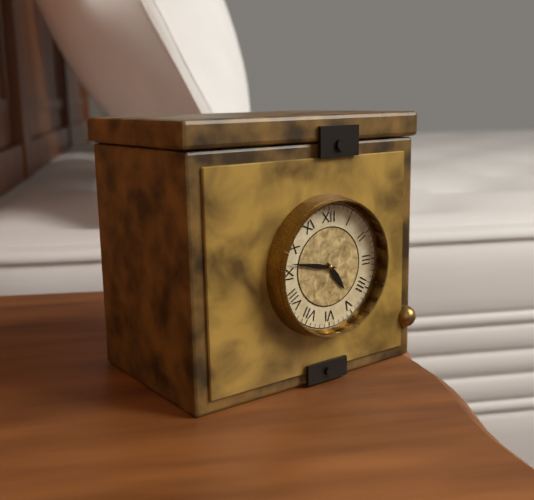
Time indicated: 4:47
